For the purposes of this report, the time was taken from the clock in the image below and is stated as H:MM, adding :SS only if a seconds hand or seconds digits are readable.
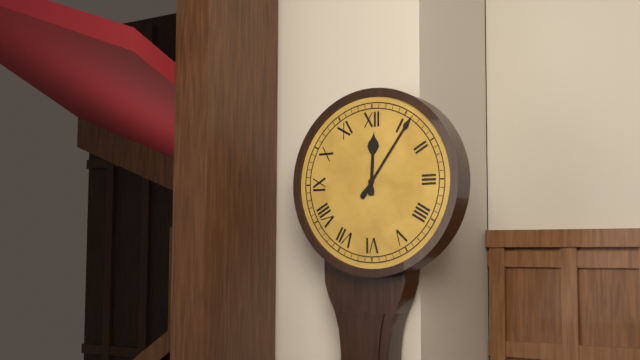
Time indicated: 12:06
